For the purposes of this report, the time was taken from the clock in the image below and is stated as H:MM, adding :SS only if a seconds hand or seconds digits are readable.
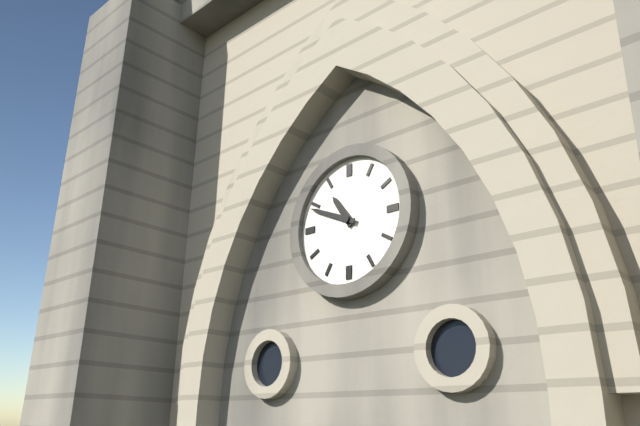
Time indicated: 10:49
